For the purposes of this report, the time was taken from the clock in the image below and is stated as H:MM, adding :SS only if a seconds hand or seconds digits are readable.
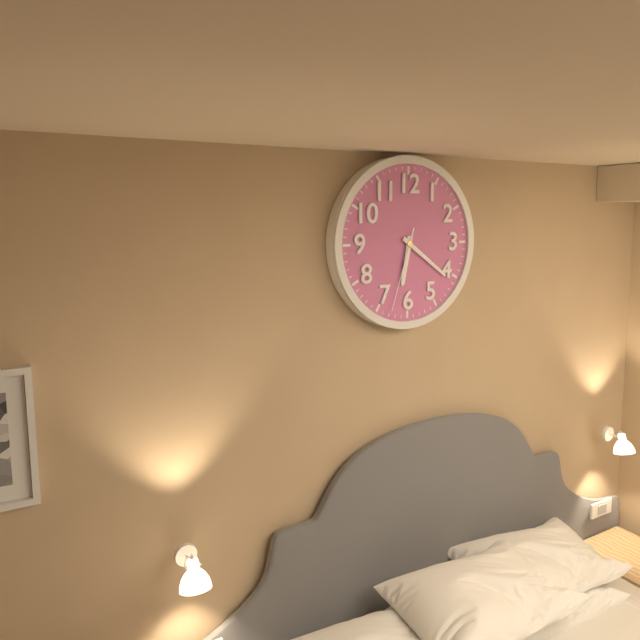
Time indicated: 6:21:33
